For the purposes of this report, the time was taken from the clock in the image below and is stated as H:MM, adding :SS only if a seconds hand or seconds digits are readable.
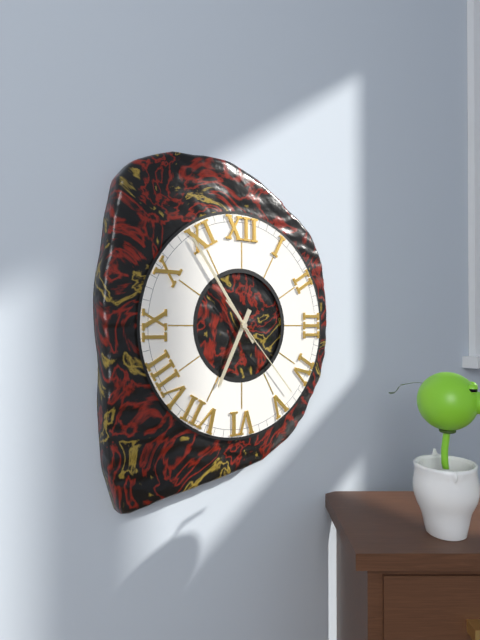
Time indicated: 6:54:23
